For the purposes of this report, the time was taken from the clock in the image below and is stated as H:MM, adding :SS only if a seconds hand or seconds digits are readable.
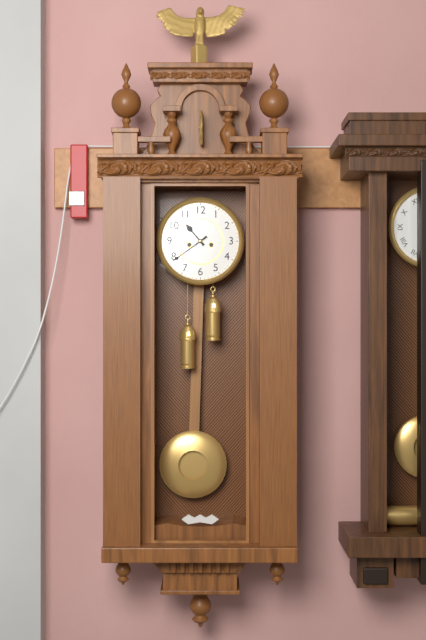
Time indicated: 10:39
